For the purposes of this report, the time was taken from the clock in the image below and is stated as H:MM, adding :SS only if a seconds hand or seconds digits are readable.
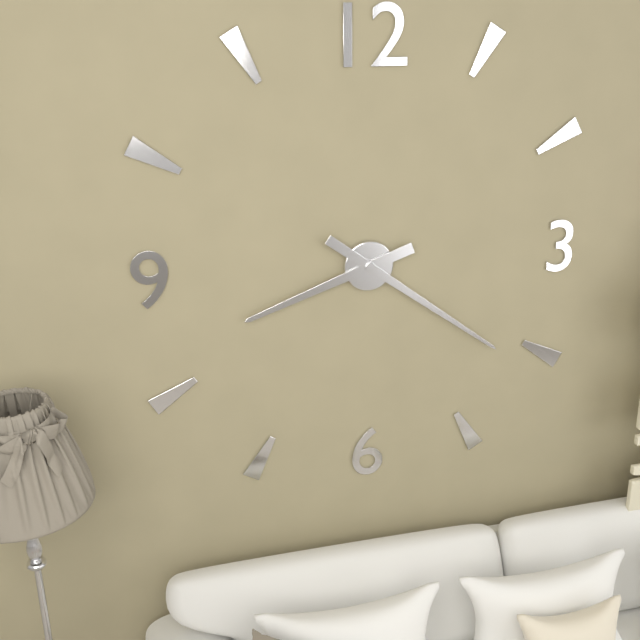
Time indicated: 8:21
